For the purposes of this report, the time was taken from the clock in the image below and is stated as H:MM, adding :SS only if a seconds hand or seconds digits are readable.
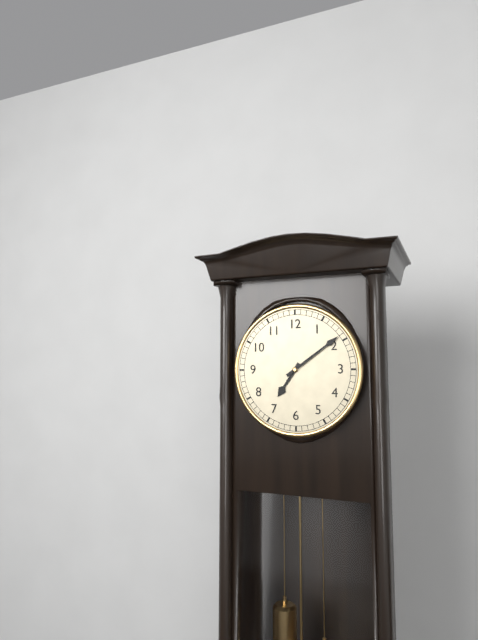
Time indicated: 7:09
